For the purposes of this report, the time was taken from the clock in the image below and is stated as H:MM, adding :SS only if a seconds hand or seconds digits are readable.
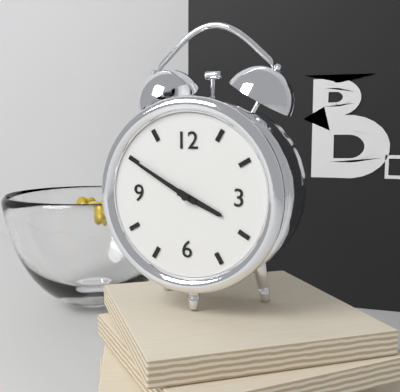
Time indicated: 3:50
